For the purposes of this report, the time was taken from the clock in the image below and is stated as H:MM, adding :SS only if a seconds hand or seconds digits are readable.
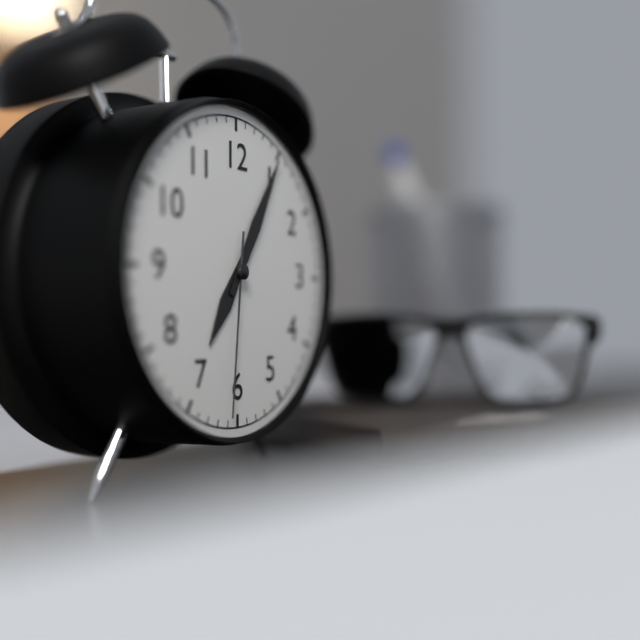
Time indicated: 7:05:31
